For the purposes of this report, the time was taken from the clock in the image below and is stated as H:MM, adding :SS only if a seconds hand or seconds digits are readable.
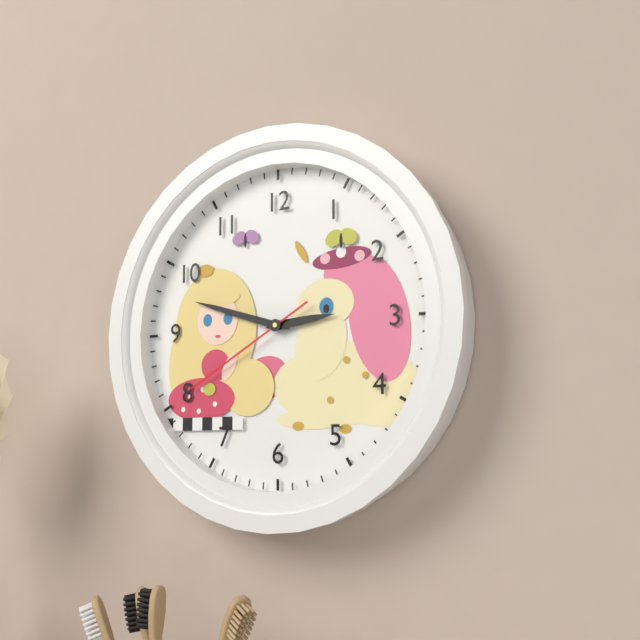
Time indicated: 2:48:40
